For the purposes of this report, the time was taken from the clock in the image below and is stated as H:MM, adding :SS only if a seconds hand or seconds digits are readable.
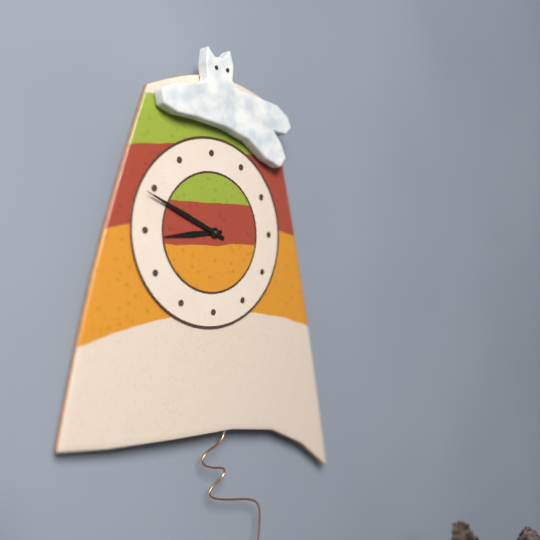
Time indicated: 8:49
